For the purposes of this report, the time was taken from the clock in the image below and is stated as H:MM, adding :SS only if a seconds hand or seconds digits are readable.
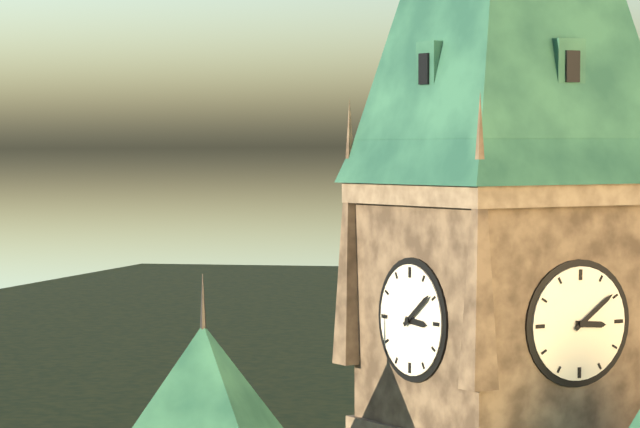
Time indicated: 3:09
